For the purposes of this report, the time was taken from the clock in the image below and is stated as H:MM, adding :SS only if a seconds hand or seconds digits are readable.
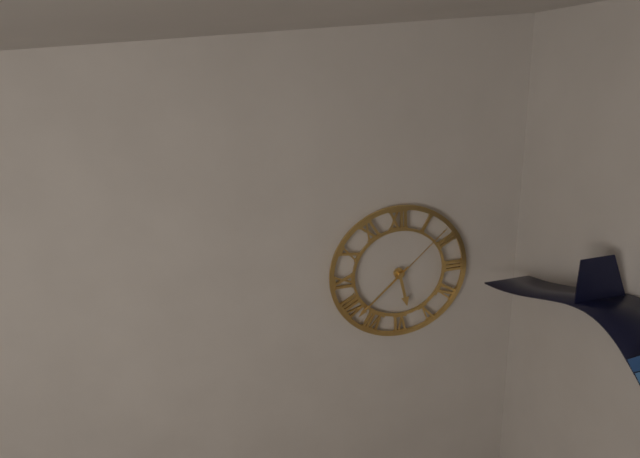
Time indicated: 5:38:08
